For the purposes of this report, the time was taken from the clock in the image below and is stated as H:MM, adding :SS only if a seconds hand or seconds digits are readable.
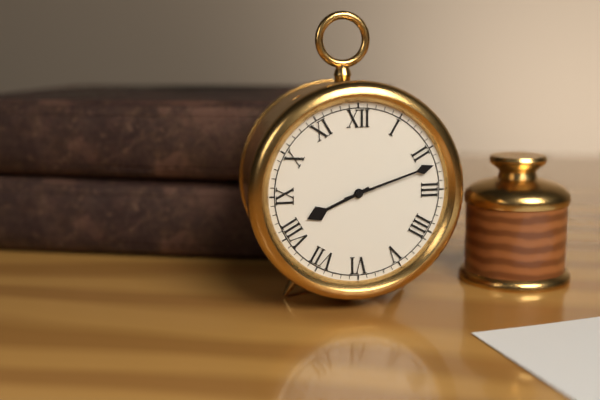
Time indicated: 8:12
